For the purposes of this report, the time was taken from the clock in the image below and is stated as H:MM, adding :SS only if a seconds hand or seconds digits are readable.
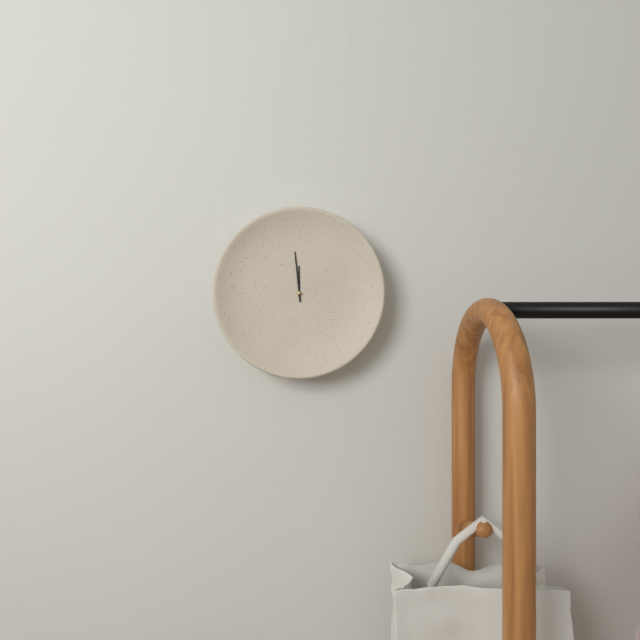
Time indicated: 11:59
